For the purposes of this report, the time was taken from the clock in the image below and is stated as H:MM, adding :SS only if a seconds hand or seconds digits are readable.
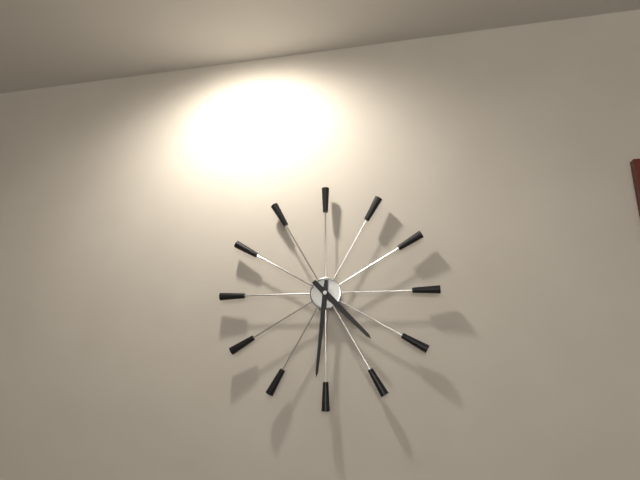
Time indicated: 4:31
